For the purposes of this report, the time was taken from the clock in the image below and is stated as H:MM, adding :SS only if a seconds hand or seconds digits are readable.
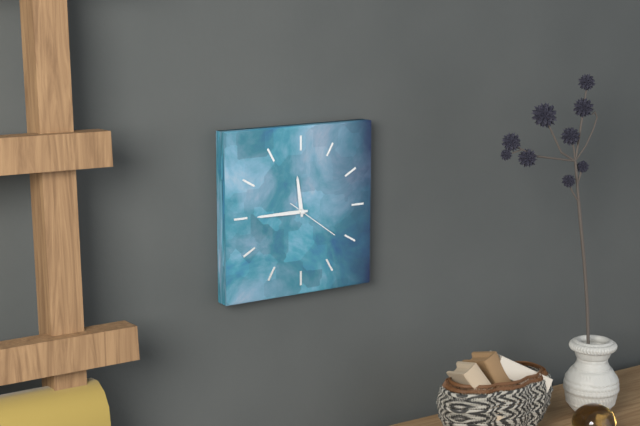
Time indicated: 11:45:21
